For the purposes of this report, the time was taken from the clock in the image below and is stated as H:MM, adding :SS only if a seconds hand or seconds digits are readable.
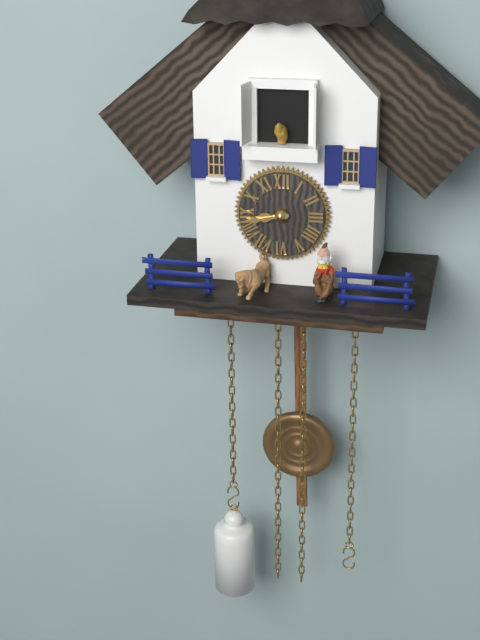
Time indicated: 8:43
